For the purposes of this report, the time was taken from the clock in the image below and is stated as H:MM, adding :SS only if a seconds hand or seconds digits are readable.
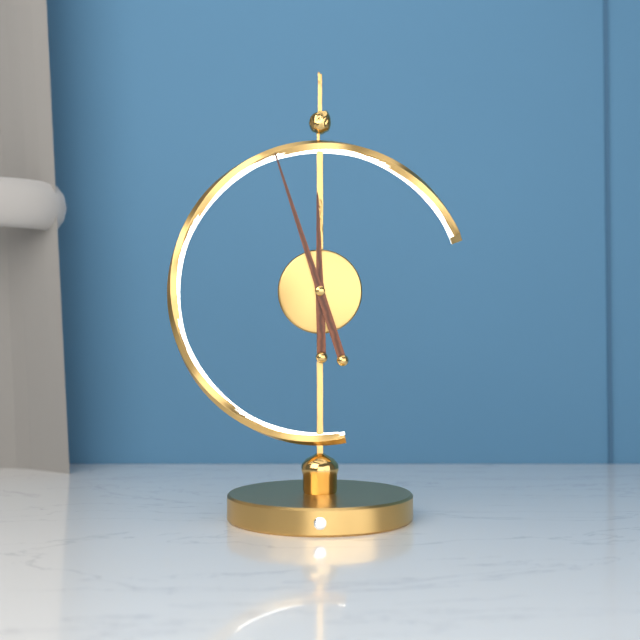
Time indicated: 11:57
